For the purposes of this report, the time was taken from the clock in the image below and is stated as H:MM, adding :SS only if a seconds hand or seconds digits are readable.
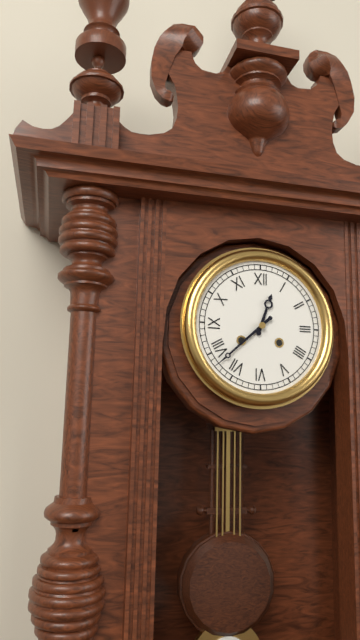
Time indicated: 12:38
